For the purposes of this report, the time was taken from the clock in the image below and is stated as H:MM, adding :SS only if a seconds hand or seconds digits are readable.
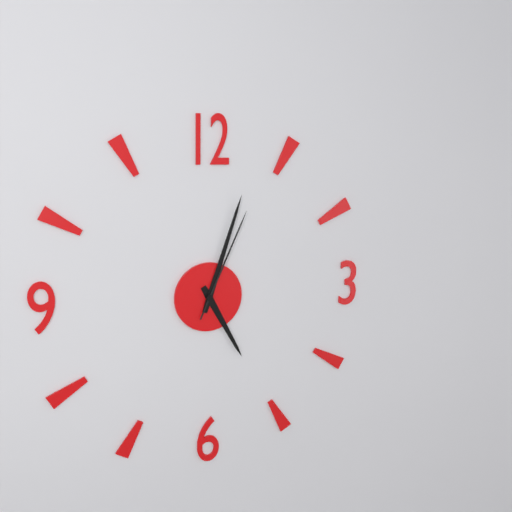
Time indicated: 5:03:04
